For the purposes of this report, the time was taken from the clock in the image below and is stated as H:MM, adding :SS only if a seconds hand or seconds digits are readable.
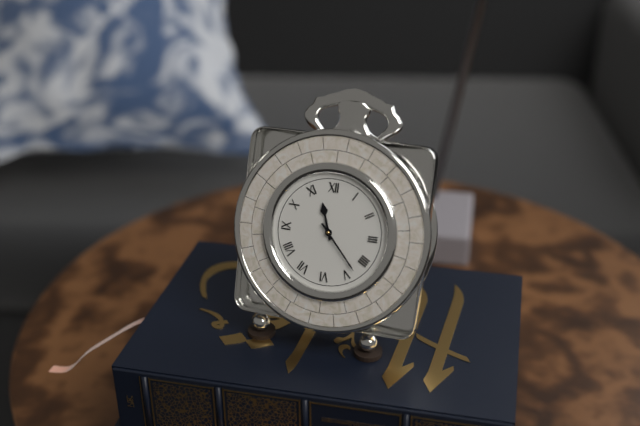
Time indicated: 11:23
